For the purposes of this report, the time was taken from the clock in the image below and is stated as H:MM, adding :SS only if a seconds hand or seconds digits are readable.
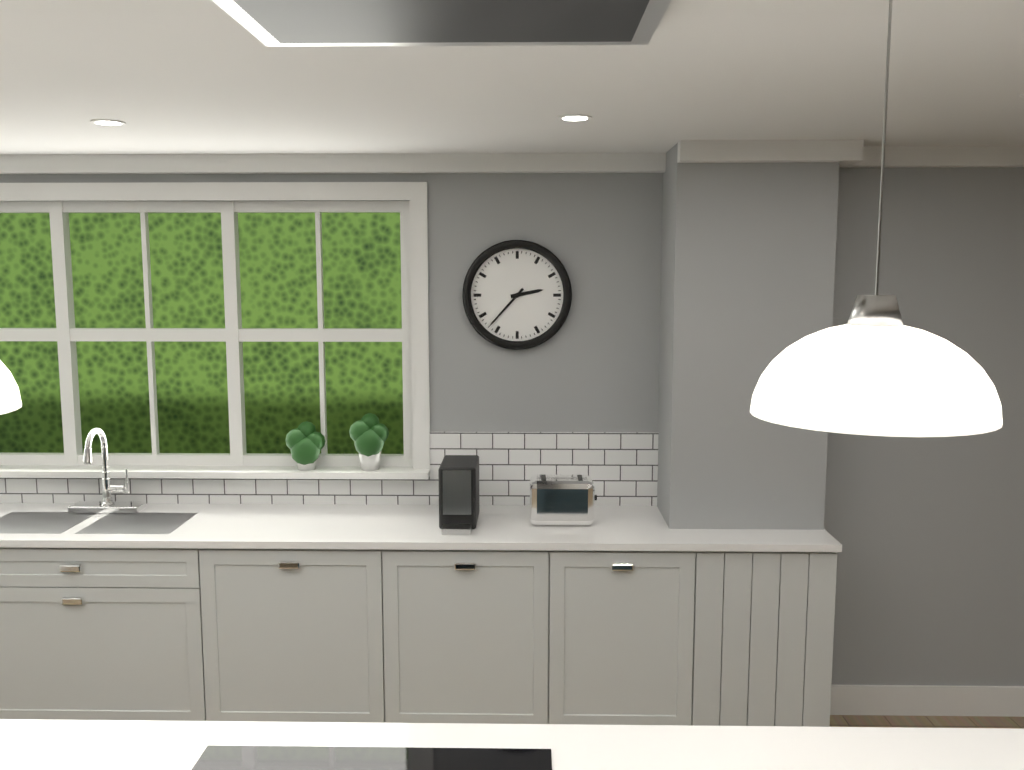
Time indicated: 2:37
